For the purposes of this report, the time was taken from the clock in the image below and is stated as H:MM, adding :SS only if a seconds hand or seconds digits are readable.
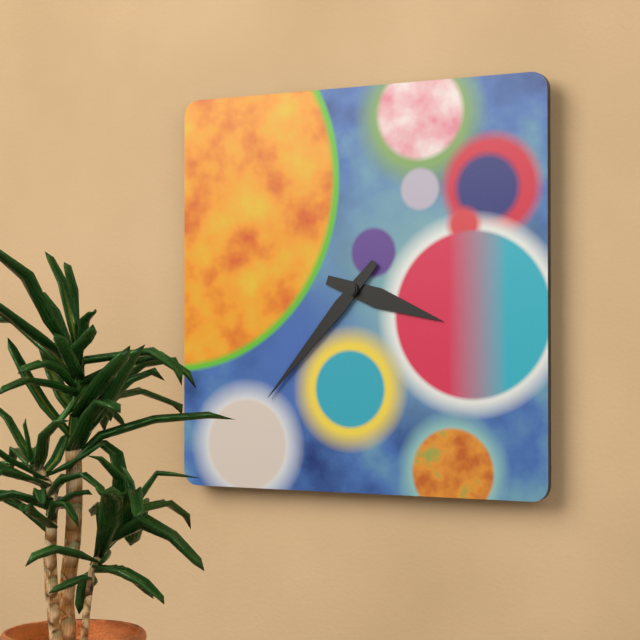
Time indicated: 3:37
